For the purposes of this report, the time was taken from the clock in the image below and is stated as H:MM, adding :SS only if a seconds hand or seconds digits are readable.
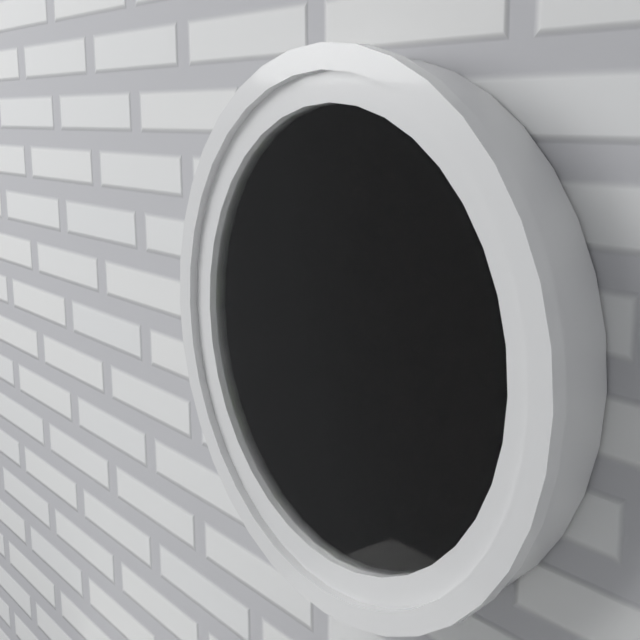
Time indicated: 11:10:07
